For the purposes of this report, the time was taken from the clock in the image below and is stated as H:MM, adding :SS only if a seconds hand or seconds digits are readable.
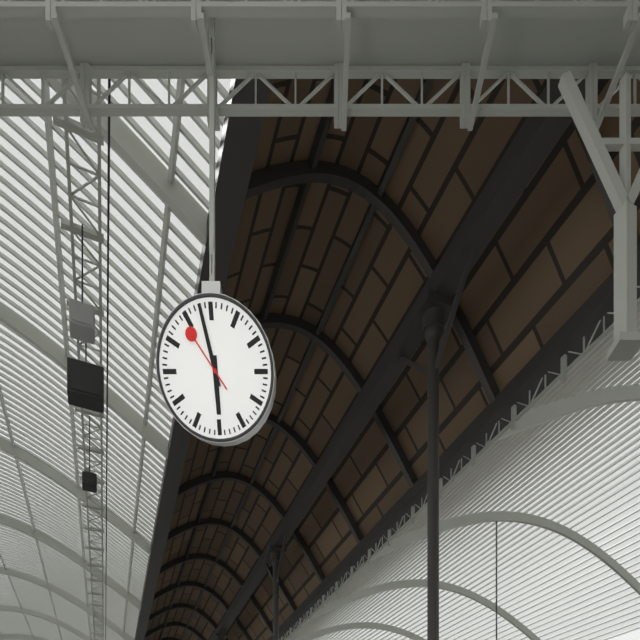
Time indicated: 5:58:54
